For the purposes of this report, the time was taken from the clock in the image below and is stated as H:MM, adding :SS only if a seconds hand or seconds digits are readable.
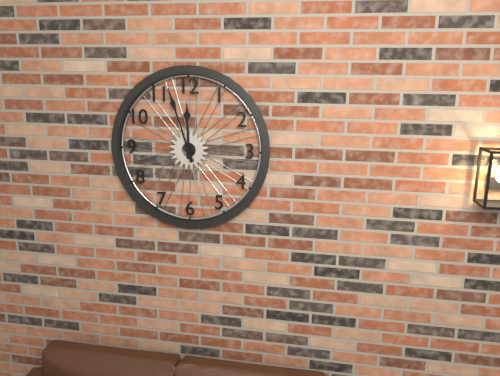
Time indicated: 11:57
